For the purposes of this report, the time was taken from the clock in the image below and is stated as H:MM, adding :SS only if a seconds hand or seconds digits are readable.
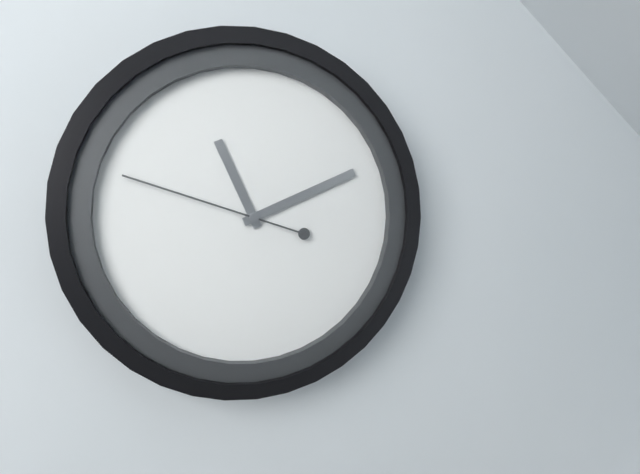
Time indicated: 11:11:48
